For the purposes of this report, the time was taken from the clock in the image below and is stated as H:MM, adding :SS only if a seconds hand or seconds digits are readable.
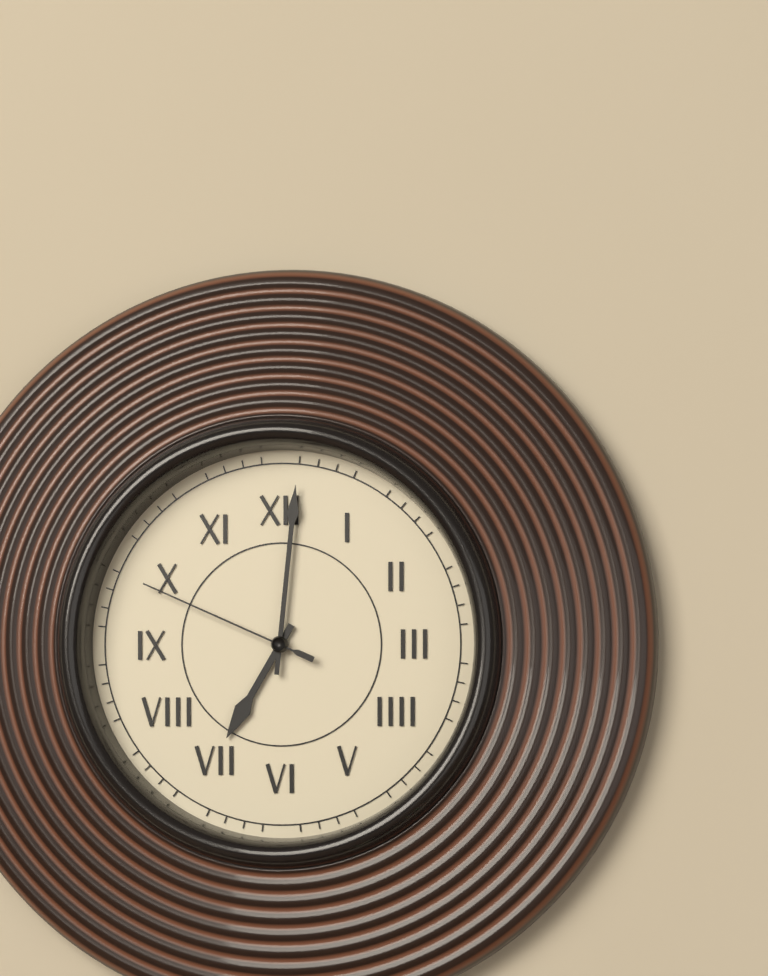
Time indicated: 7:01:49
